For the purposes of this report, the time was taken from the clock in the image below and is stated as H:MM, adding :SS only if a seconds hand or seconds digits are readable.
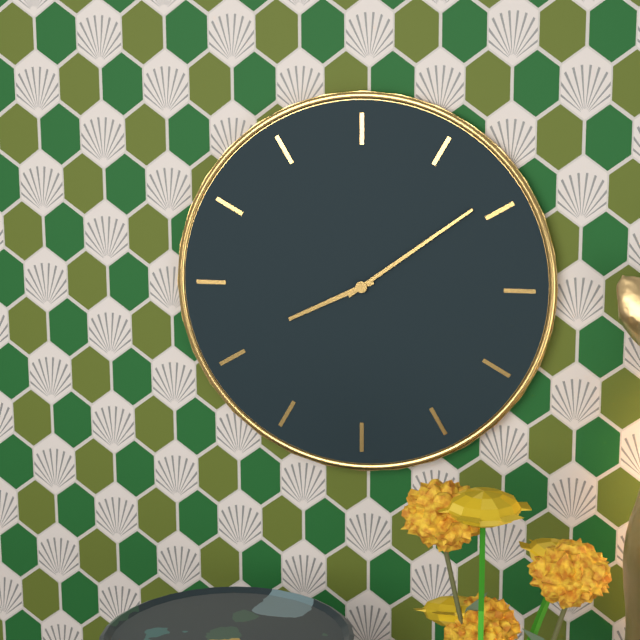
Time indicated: 8:09
